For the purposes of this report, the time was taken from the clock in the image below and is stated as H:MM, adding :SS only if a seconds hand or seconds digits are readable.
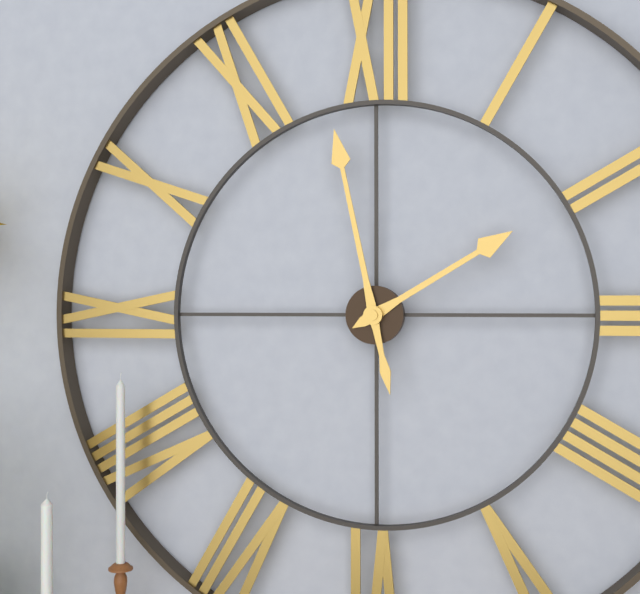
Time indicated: 1:58
